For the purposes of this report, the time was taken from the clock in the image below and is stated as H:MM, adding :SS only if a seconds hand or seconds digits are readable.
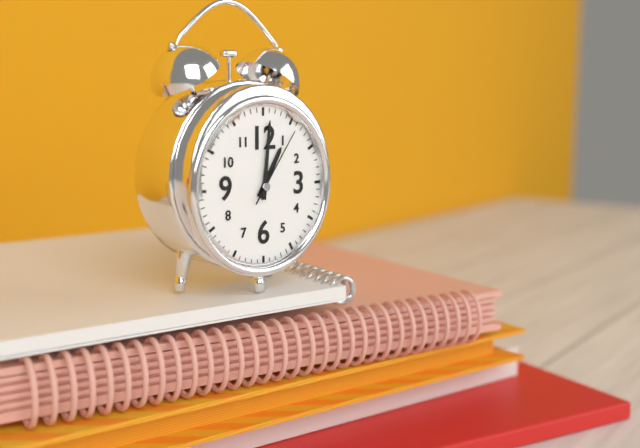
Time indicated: 1:01:06
